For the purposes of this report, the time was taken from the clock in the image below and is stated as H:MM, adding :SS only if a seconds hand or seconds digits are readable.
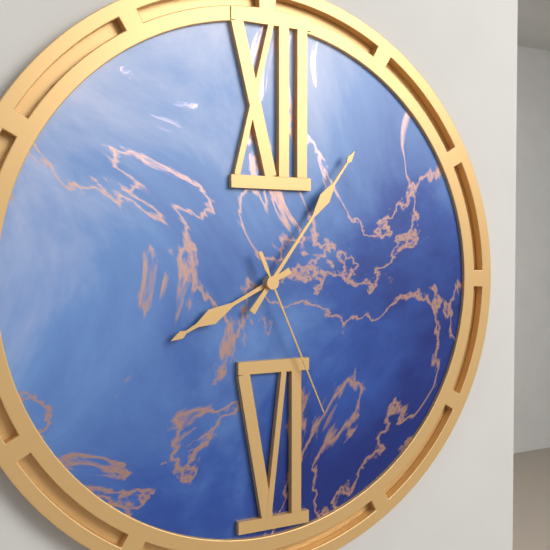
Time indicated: 8:06:26
